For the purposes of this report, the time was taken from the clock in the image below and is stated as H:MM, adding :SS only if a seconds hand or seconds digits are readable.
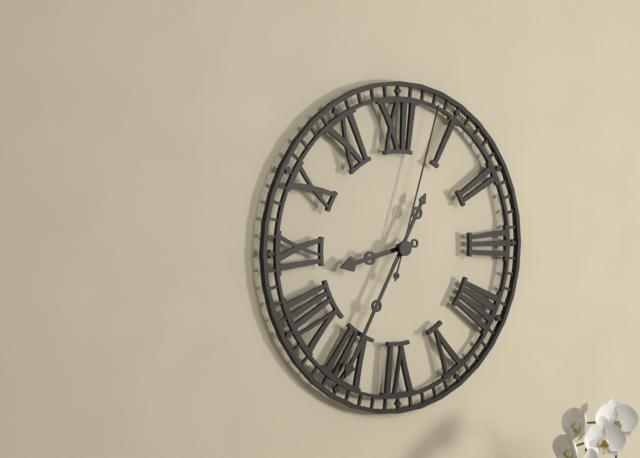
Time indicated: 8:35:03
